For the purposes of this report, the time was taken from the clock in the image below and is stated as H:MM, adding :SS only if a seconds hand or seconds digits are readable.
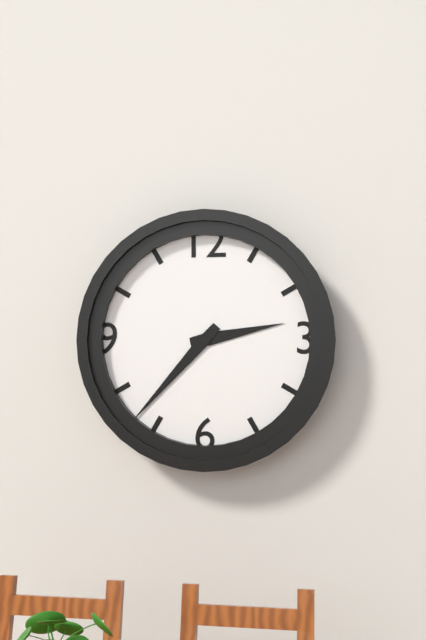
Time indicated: 2:37
